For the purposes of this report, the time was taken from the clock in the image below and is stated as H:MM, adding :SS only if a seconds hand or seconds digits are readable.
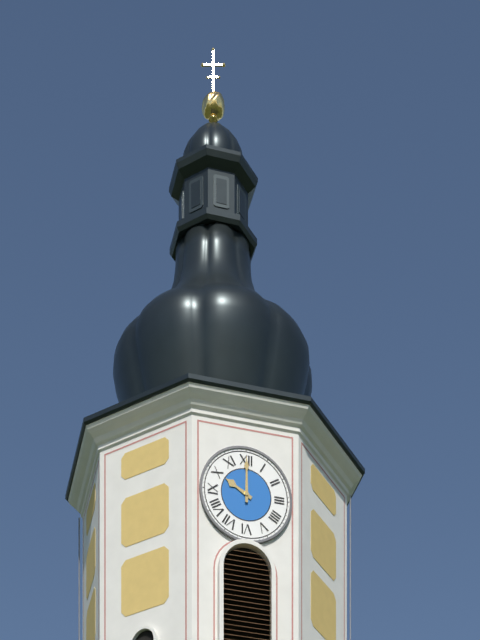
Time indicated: 10:00
